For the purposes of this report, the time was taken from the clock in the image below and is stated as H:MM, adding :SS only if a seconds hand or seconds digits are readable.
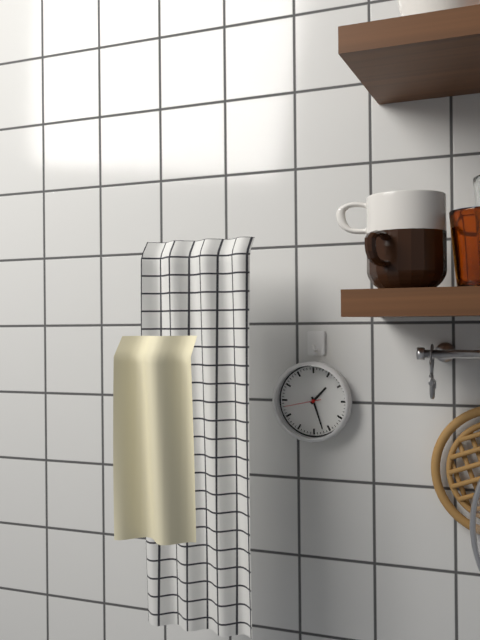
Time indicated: 1:27
